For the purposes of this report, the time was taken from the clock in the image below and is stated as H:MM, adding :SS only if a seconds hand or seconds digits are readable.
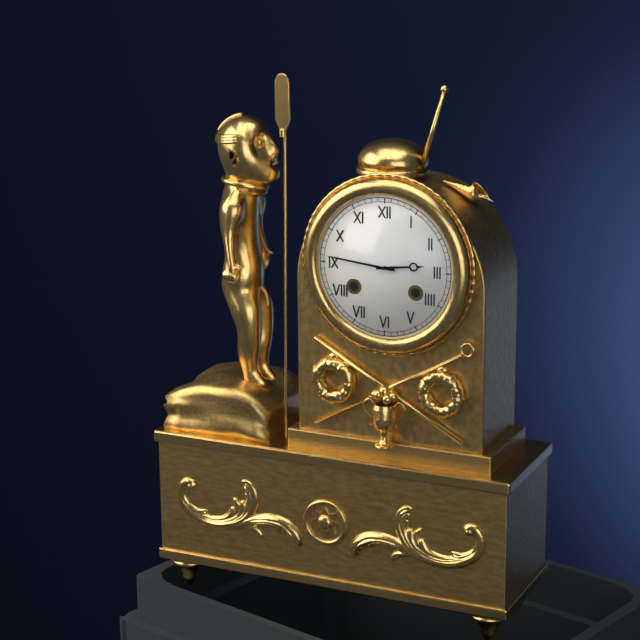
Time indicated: 2:46
